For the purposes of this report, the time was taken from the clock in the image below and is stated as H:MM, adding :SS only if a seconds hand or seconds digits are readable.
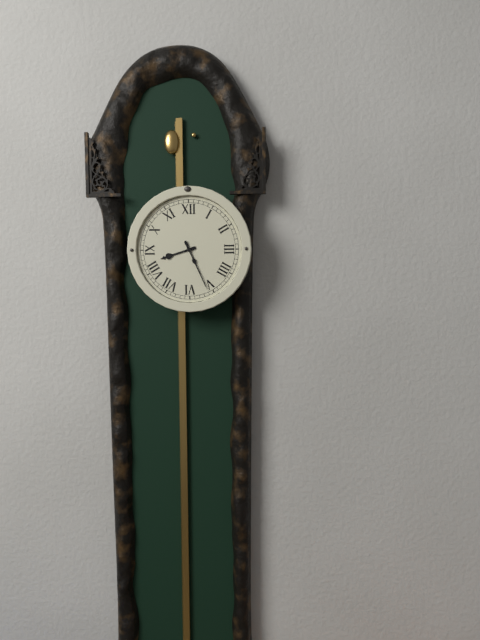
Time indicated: 8:26
